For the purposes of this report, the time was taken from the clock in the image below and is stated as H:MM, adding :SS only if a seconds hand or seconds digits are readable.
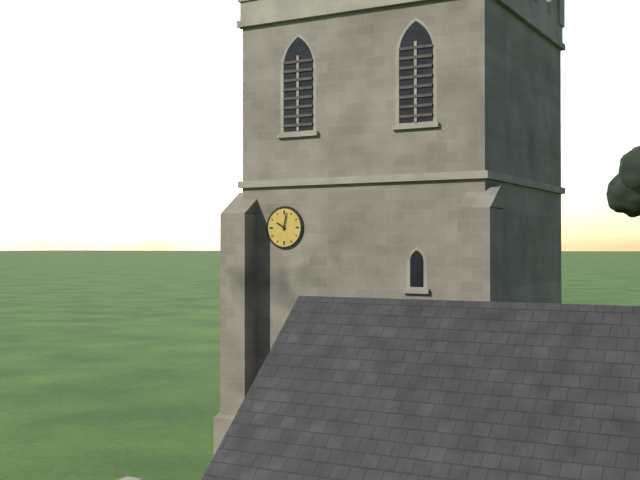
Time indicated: 10:02
